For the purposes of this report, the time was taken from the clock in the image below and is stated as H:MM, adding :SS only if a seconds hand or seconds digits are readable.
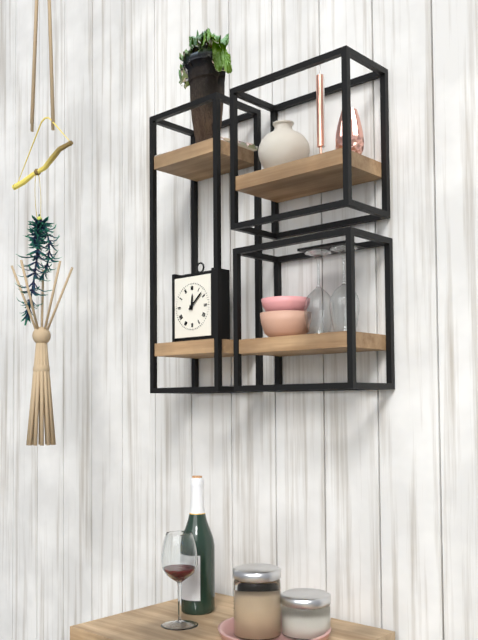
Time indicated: 12:08
